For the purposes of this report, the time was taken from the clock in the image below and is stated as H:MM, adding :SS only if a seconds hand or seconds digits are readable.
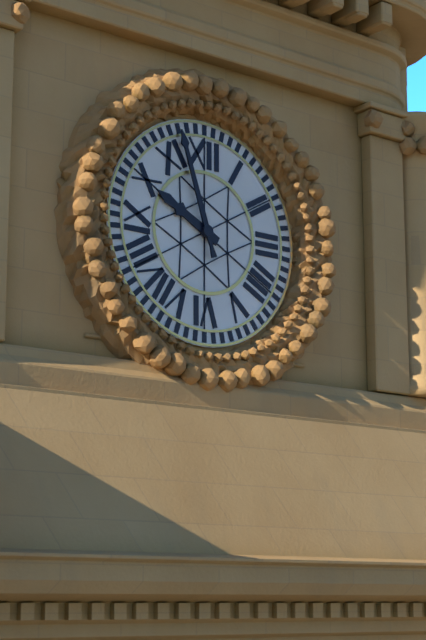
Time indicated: 9:57
